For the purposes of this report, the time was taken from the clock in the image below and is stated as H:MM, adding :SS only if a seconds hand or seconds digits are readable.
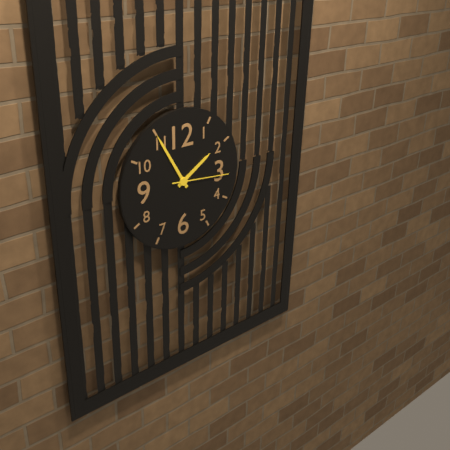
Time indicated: 1:55:16
